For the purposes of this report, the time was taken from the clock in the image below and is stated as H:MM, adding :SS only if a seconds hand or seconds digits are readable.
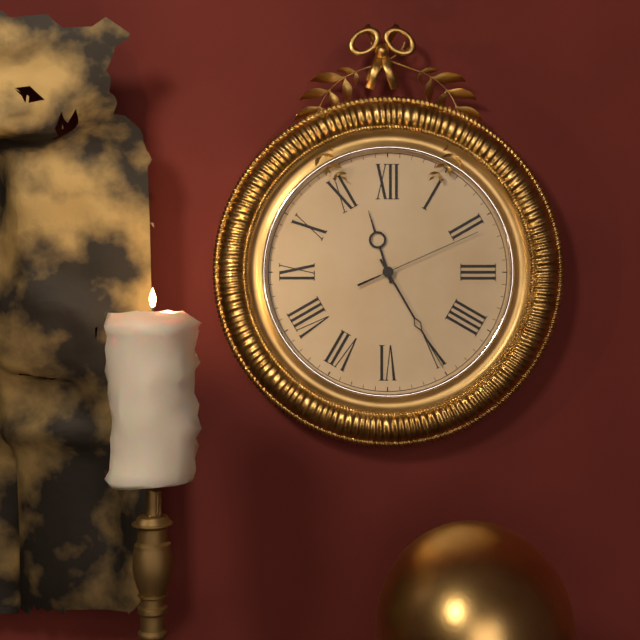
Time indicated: 11:25:11
